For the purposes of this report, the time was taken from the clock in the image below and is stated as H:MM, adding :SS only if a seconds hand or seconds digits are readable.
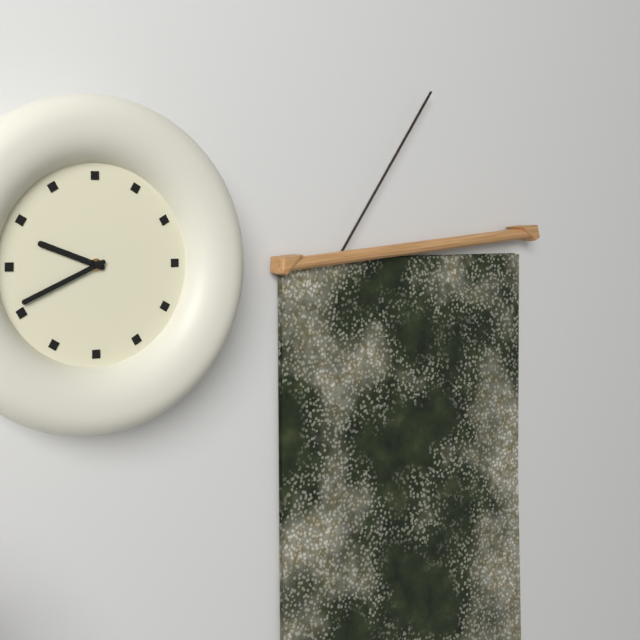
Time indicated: 9:41
